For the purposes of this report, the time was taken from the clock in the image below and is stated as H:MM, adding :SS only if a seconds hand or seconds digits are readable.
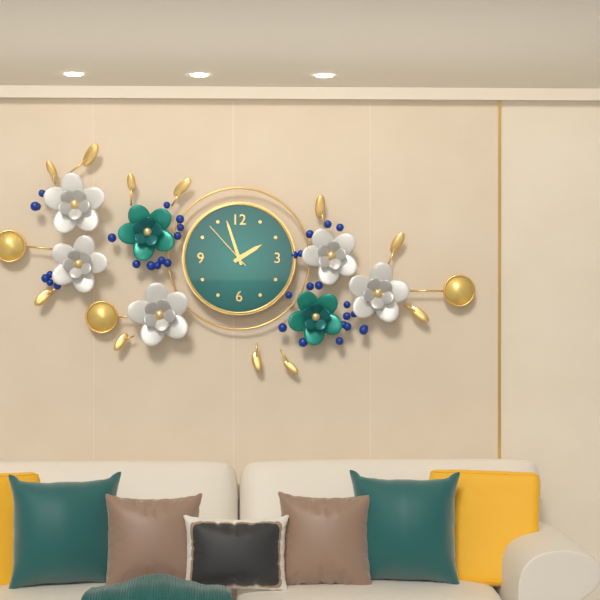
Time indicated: 1:57:53
